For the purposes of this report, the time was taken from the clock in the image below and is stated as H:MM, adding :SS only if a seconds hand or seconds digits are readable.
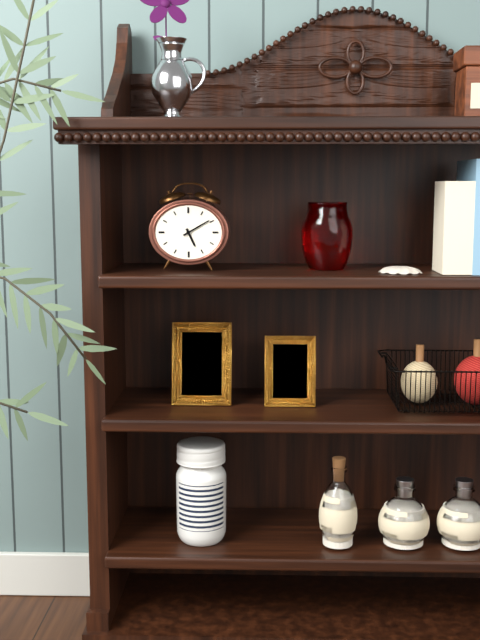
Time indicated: 5:10
